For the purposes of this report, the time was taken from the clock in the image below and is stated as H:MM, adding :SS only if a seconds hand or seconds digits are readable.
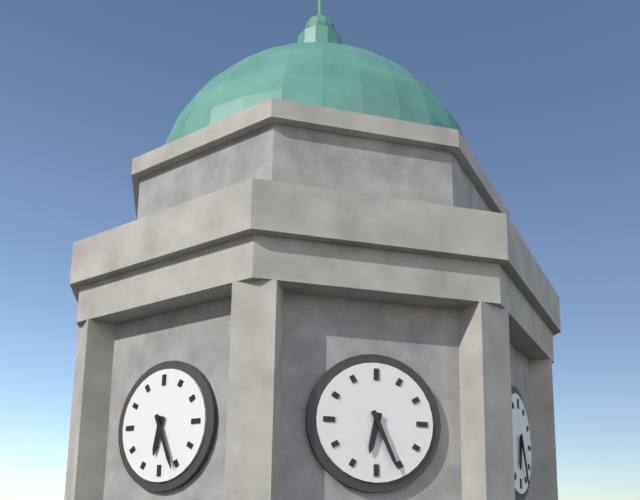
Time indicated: 6:26
